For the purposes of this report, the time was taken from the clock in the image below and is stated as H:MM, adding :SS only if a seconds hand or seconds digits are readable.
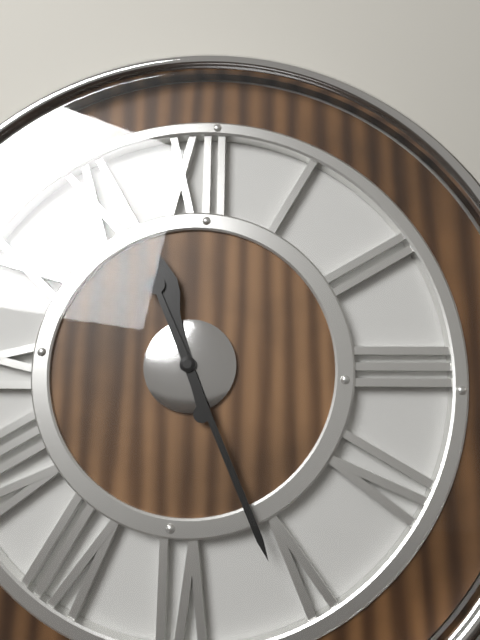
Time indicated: 11:26
